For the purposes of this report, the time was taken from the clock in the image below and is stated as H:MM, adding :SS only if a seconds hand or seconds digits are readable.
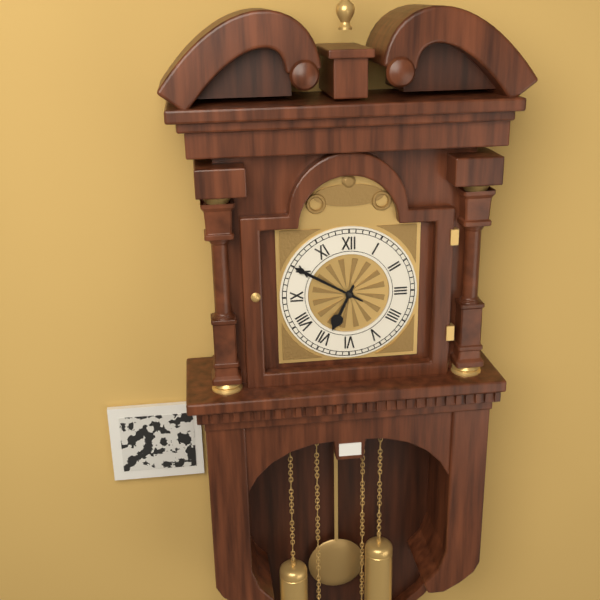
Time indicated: 6:50
